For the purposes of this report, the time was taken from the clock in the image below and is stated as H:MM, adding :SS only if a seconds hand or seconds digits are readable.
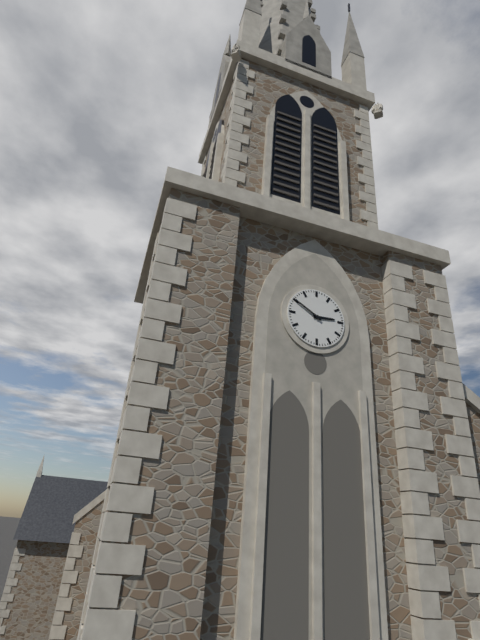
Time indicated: 2:50
